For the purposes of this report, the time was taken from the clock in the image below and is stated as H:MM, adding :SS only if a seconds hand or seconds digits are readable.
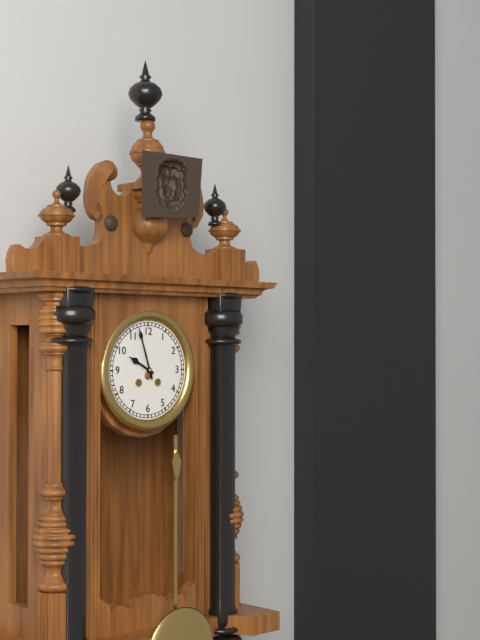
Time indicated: 9:57
